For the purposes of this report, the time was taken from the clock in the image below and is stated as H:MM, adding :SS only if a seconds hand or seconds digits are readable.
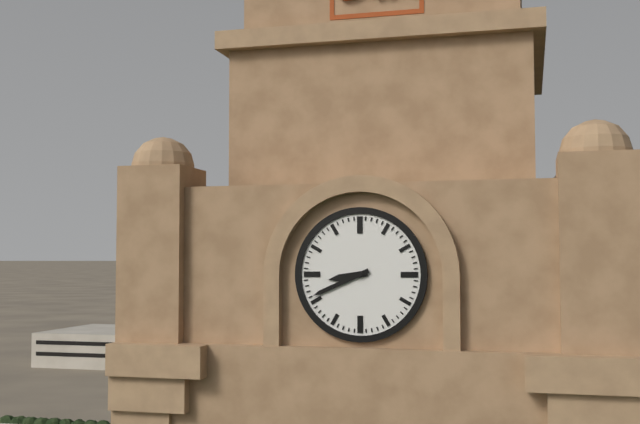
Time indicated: 8:41
